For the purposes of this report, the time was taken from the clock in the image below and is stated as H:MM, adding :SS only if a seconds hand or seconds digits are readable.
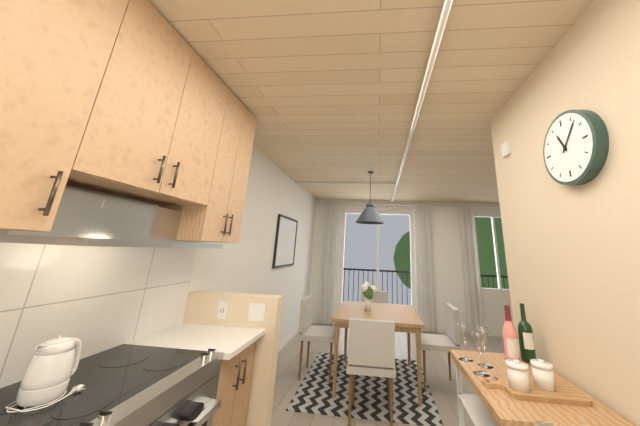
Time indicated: 11:07
